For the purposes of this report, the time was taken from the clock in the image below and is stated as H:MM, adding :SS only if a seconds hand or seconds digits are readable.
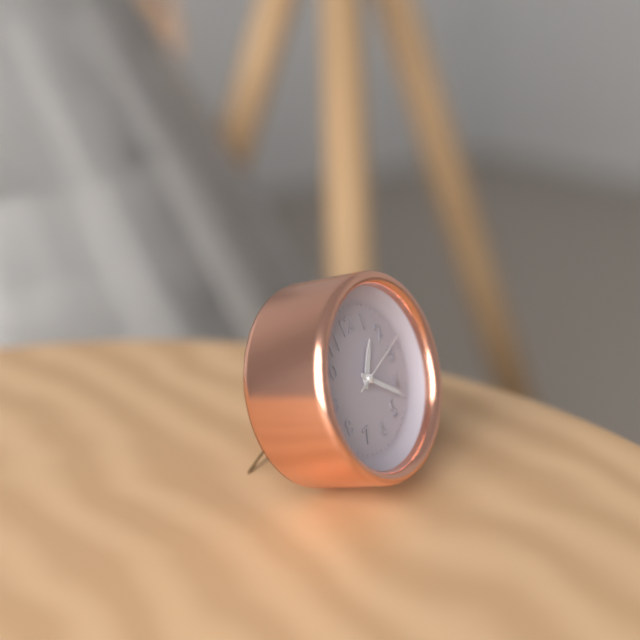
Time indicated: 1:22:13
